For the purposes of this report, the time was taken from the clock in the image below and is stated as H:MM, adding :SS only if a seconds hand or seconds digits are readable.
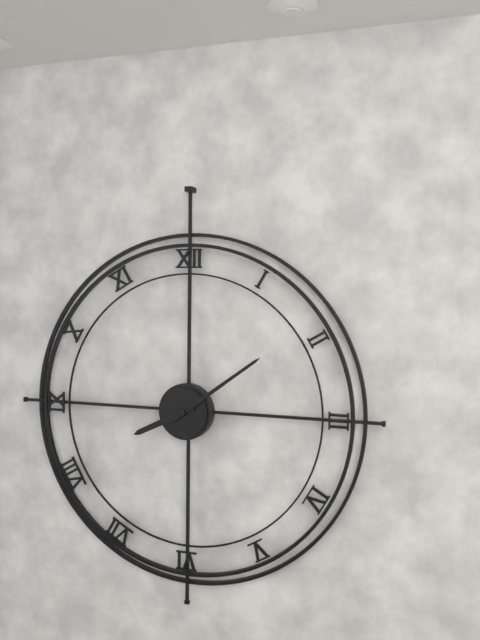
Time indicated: 8:09
